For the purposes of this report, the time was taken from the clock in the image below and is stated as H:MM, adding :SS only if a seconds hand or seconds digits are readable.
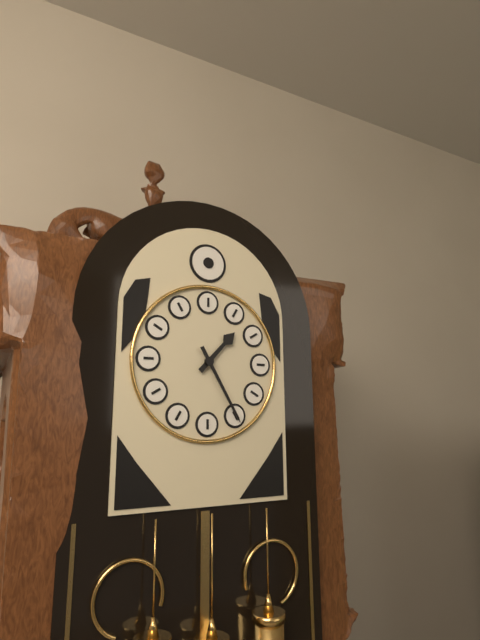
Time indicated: 1:25
